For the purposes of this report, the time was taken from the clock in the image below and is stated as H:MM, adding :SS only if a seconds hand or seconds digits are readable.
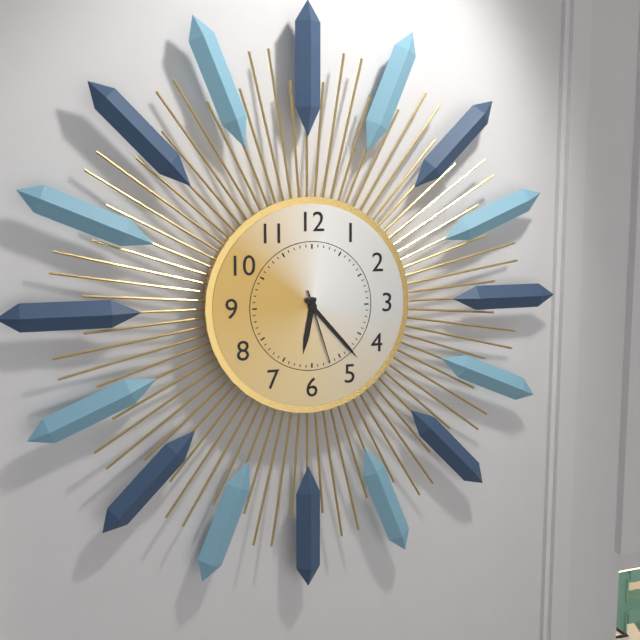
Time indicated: 6:23:27
